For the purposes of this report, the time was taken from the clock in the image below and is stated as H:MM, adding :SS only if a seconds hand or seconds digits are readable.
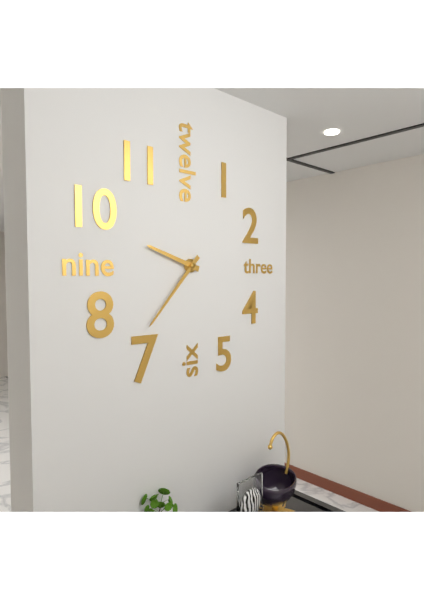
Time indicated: 9:37
